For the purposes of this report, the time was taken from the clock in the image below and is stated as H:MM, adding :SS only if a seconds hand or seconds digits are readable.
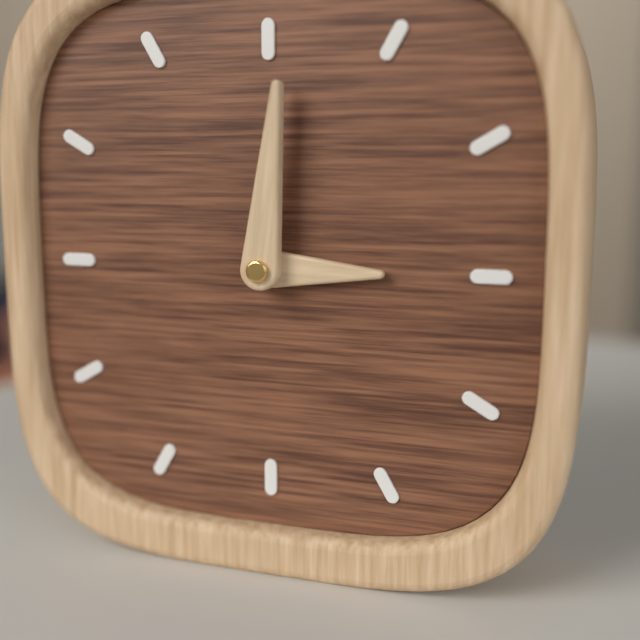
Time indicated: 3:01
